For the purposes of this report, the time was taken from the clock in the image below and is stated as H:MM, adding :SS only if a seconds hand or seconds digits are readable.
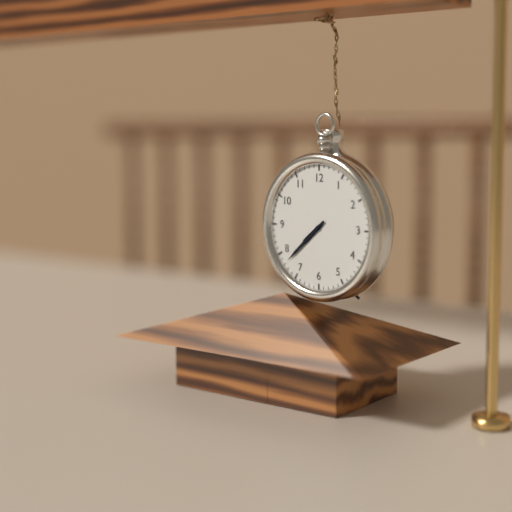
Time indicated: 7:38
